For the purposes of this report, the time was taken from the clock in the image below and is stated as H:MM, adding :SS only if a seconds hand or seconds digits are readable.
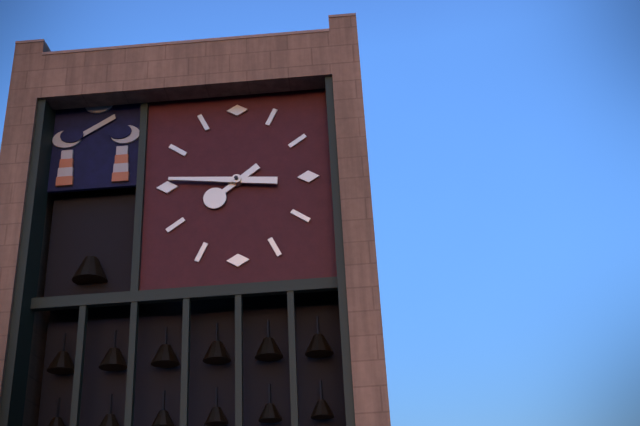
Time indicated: 7:46
